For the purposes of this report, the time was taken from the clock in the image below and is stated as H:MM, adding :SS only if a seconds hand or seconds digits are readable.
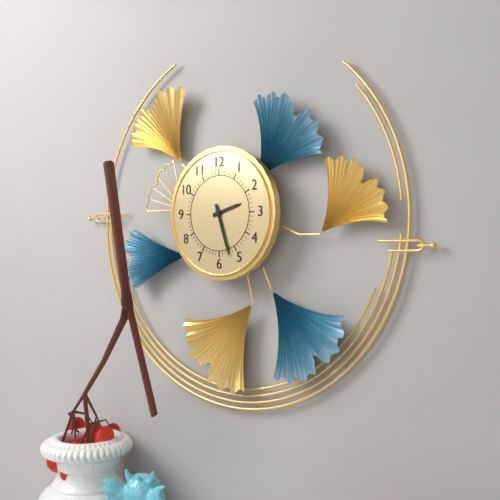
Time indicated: 2:27
